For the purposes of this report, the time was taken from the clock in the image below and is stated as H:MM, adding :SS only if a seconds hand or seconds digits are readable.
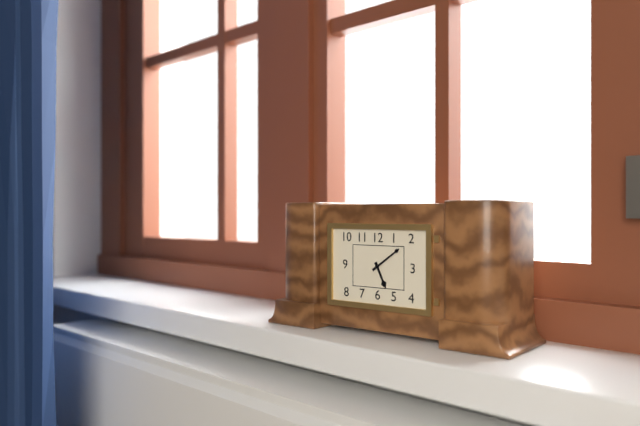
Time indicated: 5:09
